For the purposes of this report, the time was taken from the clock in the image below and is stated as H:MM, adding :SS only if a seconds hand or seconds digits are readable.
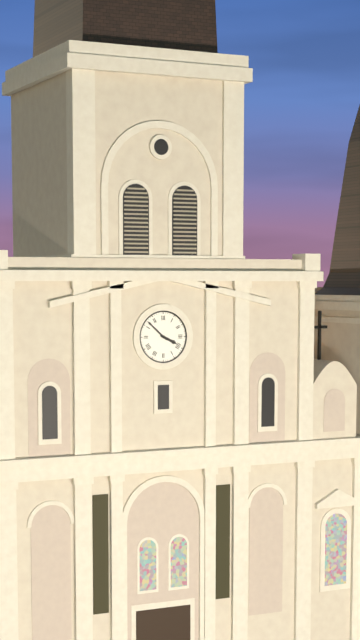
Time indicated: 3:52
